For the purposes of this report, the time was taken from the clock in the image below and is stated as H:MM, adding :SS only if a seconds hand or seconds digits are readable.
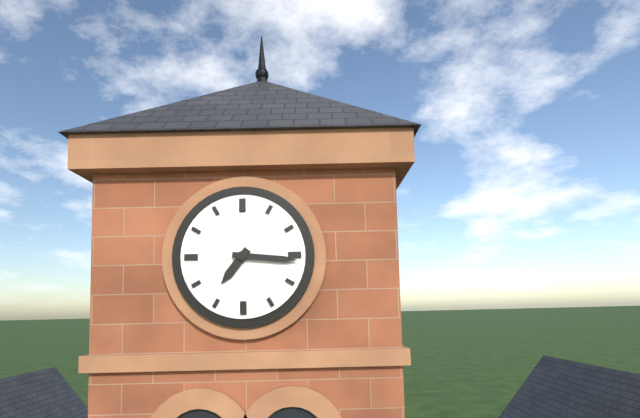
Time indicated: 7:16
